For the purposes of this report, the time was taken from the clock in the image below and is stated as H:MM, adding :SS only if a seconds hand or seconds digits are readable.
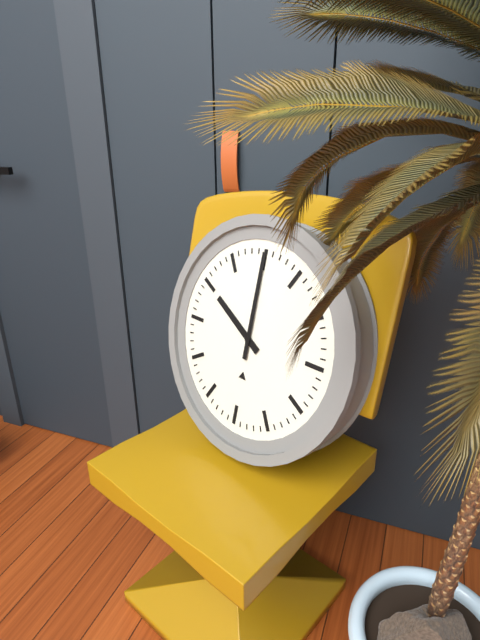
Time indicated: 10:00
